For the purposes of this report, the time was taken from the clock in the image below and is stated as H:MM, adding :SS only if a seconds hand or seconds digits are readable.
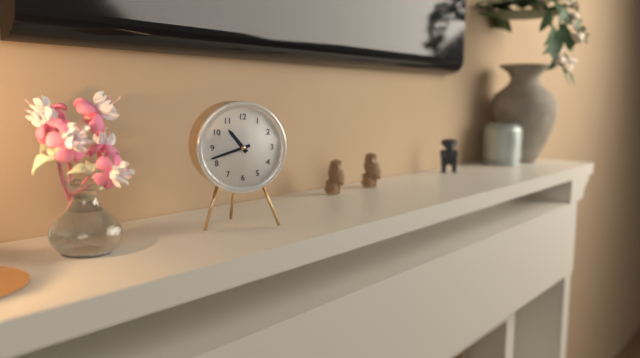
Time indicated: 10:42
